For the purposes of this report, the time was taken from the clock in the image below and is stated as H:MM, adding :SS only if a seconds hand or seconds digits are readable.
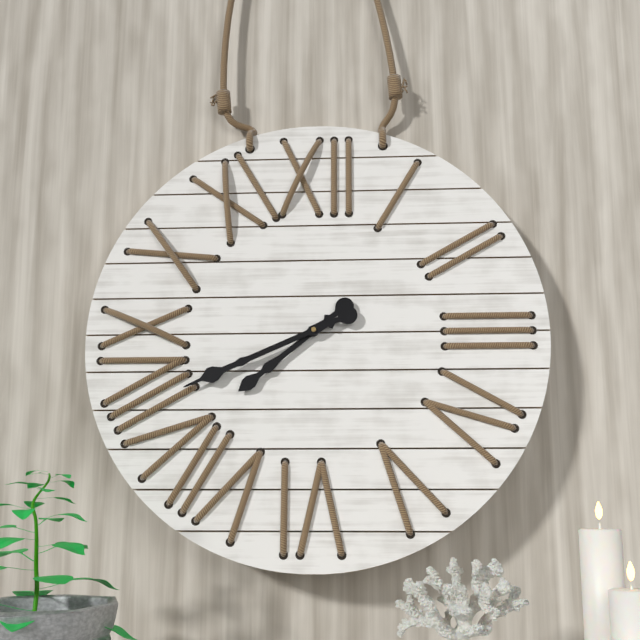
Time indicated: 7:41
